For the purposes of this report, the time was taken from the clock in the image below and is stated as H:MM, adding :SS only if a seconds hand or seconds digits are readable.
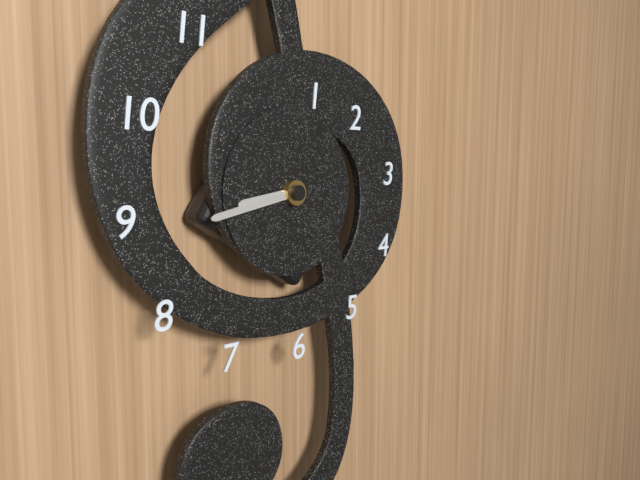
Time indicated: 8:43
